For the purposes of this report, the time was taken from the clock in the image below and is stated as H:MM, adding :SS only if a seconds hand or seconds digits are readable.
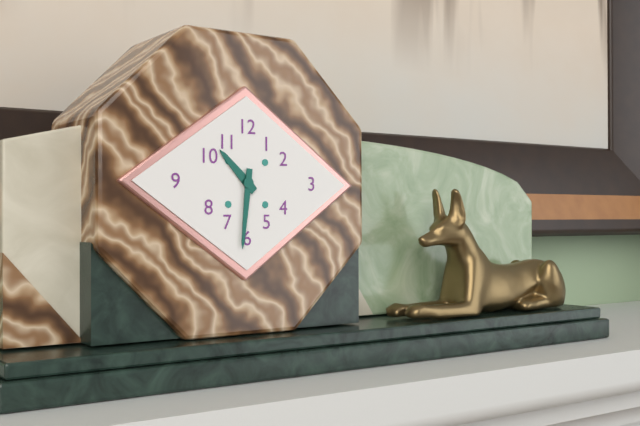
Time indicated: 10:31
